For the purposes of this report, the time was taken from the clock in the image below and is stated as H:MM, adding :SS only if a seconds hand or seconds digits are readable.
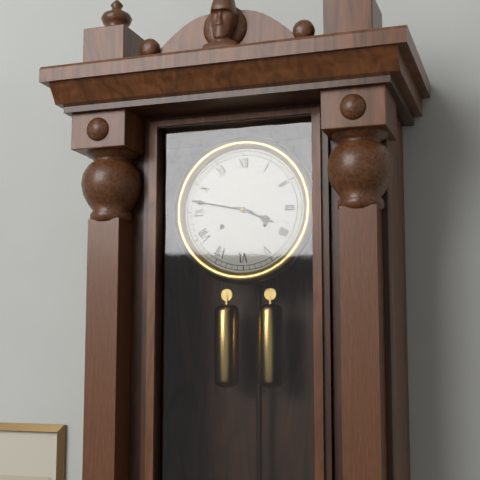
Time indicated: 3:47
